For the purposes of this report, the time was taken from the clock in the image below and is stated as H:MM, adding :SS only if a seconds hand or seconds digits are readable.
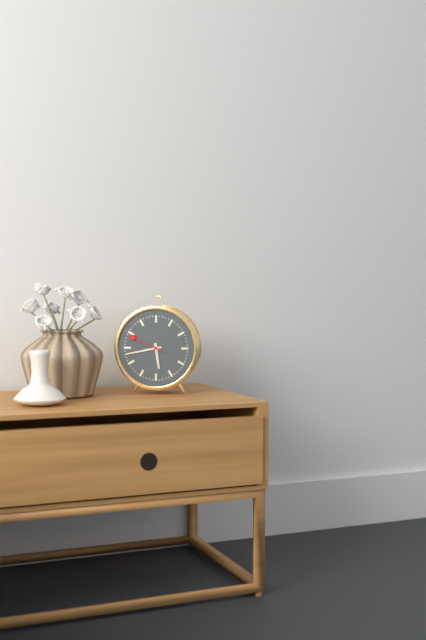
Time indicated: 5:43
